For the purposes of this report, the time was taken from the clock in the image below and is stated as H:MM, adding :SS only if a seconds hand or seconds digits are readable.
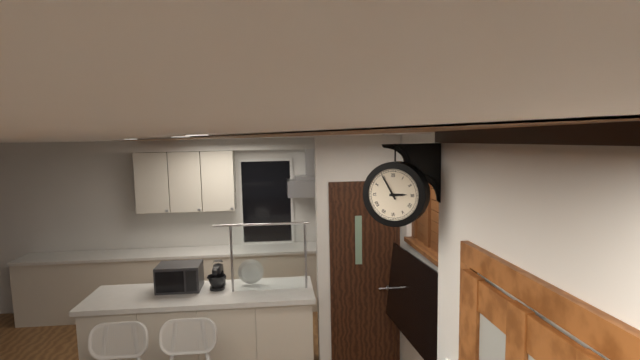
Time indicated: 2:55
